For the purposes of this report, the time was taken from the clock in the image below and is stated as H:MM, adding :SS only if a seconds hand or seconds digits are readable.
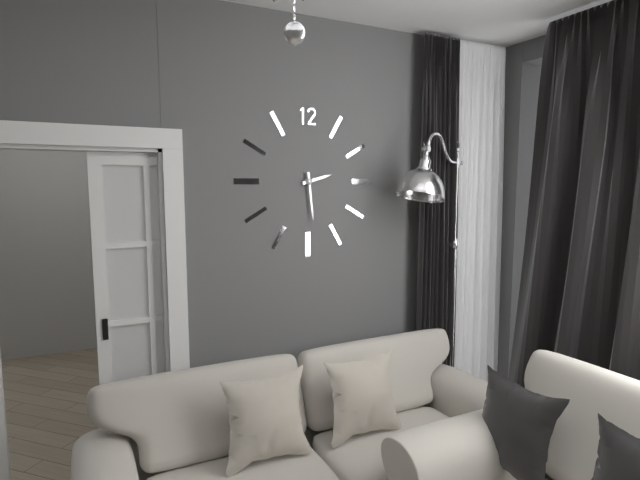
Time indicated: 2:29
